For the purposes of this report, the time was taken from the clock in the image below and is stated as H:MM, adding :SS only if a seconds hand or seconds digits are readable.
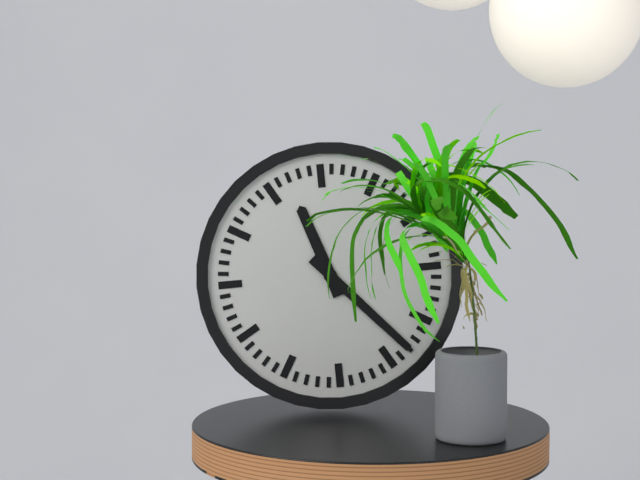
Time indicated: 11:23
